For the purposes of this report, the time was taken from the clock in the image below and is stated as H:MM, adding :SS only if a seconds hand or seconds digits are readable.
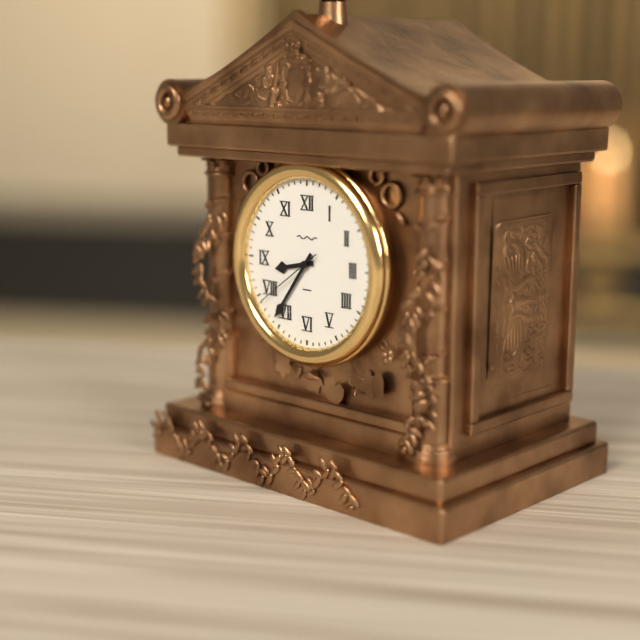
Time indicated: 8:36:39
